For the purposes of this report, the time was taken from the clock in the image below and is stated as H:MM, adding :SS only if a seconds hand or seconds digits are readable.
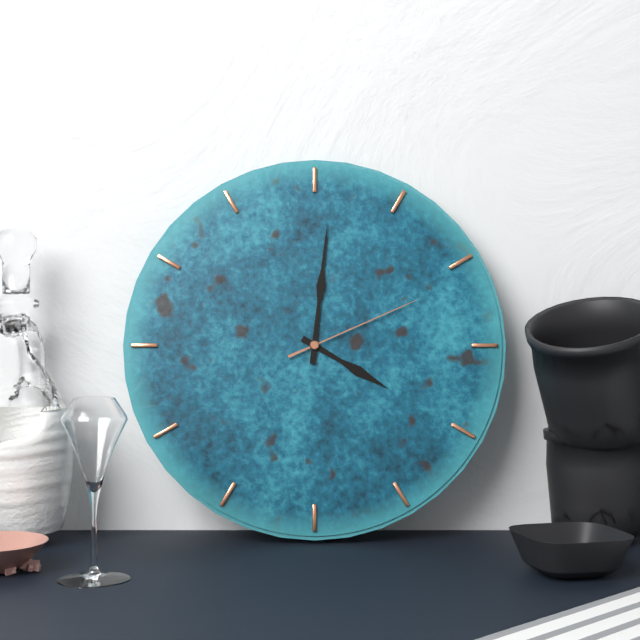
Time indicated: 4:01:11
